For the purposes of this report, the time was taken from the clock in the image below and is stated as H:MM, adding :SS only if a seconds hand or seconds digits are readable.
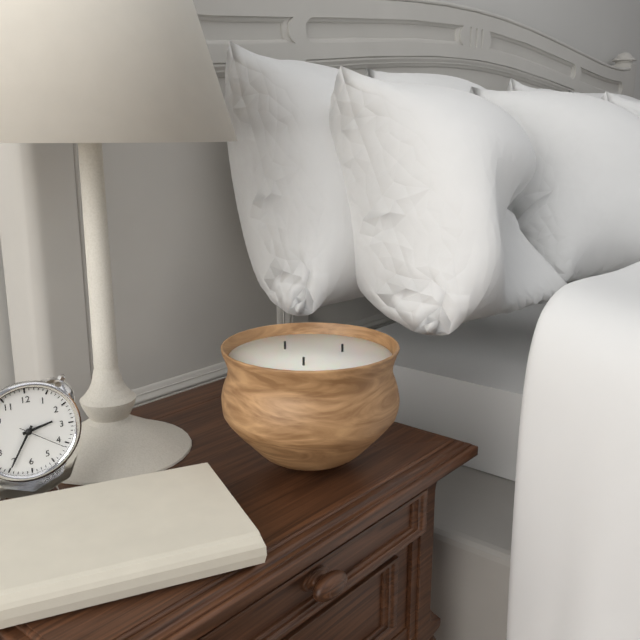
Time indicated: 2:35:21
